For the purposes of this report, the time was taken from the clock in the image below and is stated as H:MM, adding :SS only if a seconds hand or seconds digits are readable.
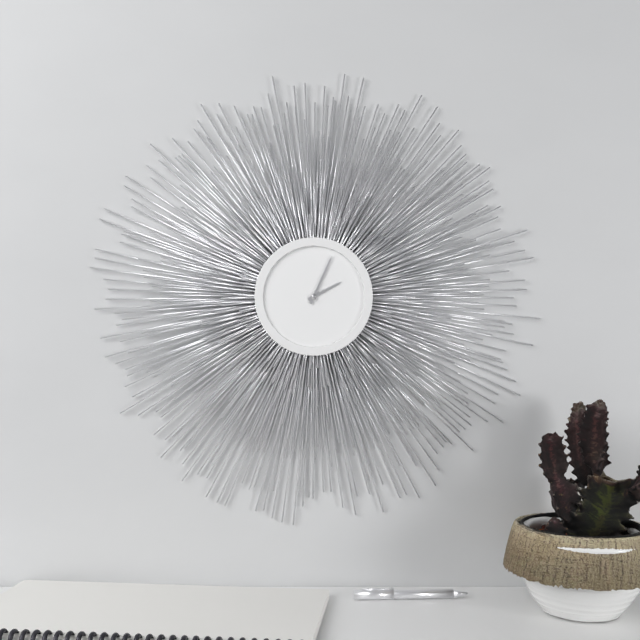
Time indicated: 2:04
